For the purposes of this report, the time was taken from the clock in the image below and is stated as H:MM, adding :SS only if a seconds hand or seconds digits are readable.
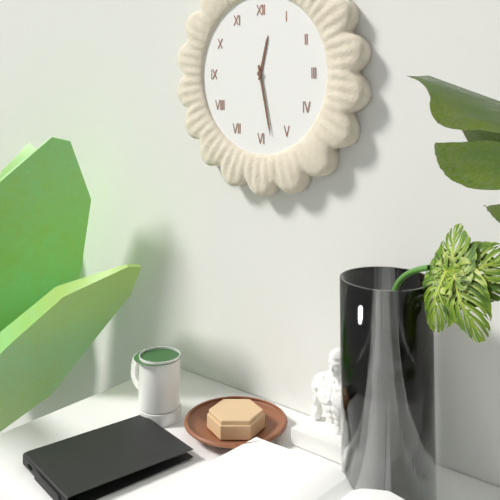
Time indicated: 12:28
